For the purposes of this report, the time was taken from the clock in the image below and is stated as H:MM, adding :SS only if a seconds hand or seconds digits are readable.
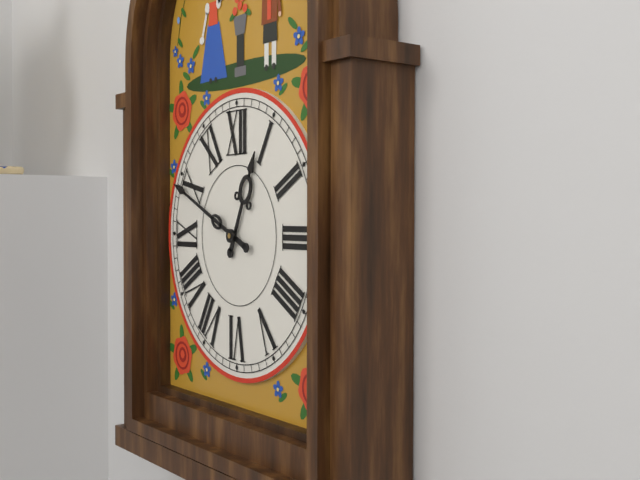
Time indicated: 12:49
